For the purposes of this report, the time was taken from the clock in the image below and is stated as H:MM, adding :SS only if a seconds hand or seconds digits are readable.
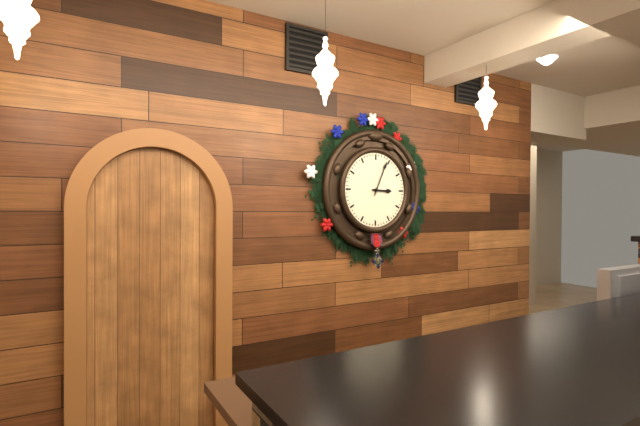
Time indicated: 3:04
